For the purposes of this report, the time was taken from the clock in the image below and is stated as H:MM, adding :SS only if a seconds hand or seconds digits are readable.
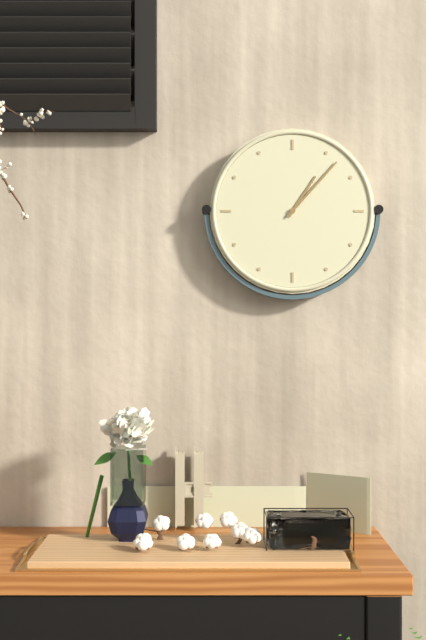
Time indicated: 1:07
